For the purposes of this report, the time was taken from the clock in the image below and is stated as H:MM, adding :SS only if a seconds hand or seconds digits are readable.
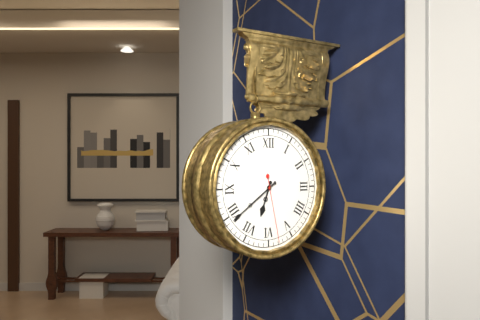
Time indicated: 6:39:28
